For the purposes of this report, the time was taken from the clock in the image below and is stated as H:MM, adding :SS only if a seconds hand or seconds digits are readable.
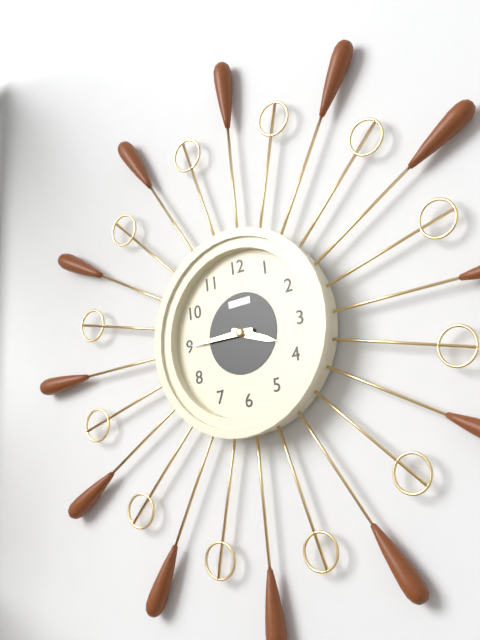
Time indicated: 3:45
